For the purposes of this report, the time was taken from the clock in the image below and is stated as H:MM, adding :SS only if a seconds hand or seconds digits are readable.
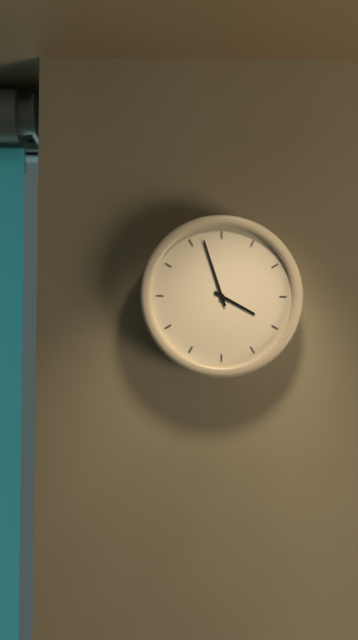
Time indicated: 3:57
